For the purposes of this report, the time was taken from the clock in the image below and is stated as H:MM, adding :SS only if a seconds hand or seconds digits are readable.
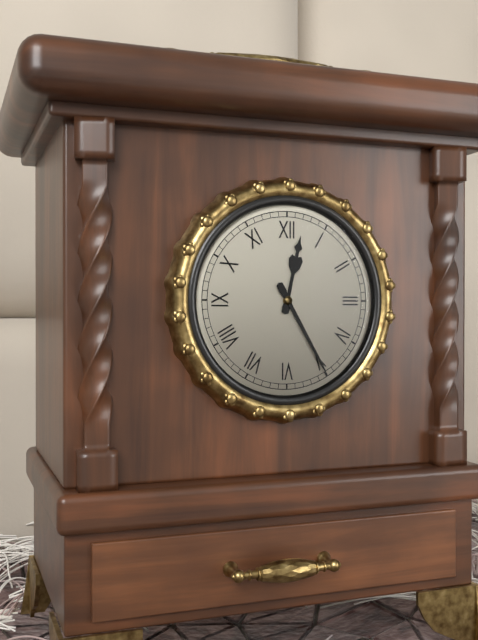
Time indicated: 12:25
